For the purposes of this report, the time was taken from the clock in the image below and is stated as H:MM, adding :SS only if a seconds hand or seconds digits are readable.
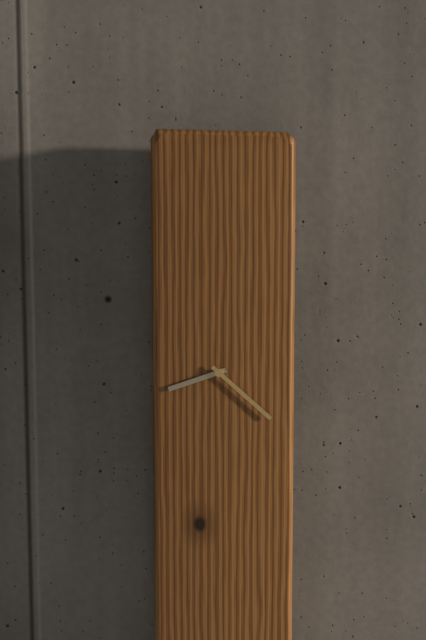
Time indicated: 8:22
